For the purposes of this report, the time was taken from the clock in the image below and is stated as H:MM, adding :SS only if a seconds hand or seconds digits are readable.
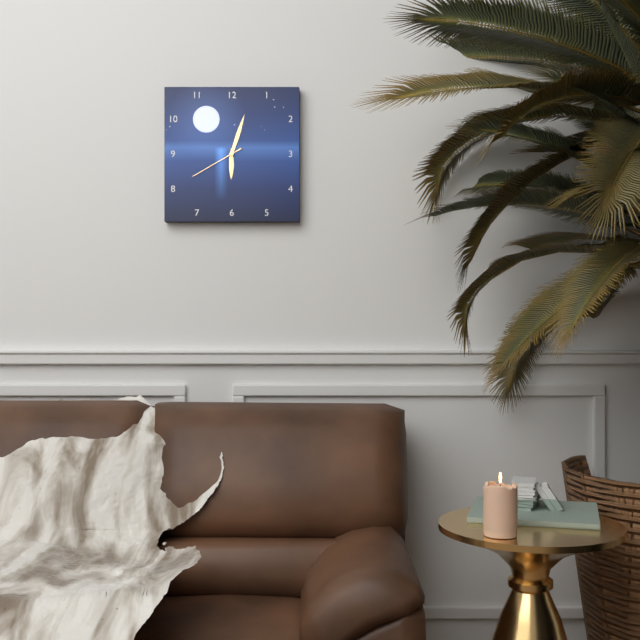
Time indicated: 6:03:40
